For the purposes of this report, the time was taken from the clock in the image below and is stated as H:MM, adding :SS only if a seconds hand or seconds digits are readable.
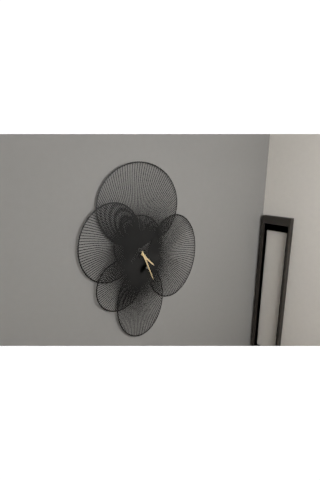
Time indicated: 4:26
